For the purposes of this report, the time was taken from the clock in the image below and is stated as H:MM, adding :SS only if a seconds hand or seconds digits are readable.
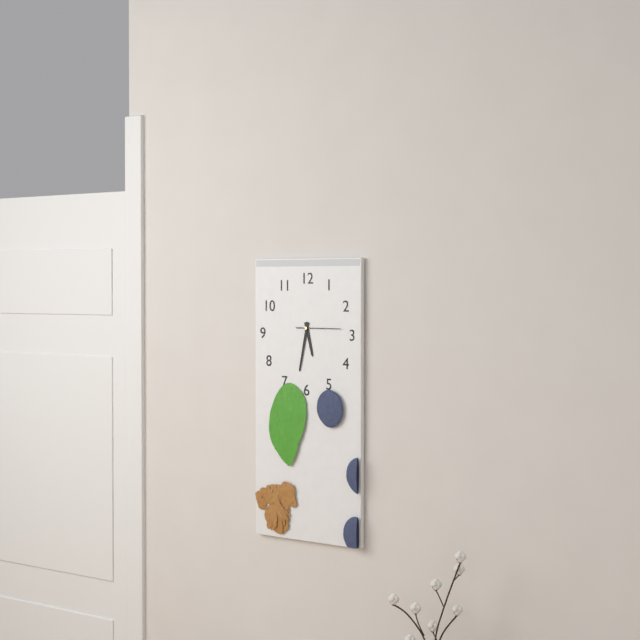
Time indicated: 5:32
